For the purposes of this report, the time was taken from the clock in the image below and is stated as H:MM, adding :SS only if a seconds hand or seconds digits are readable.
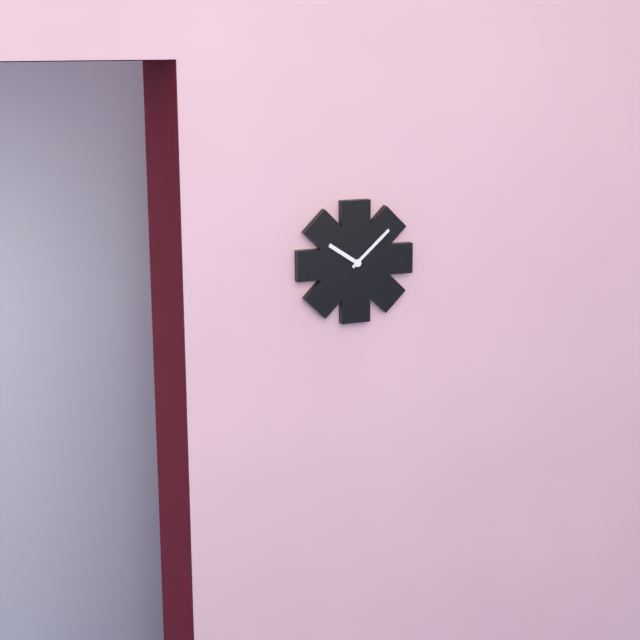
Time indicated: 10:08
